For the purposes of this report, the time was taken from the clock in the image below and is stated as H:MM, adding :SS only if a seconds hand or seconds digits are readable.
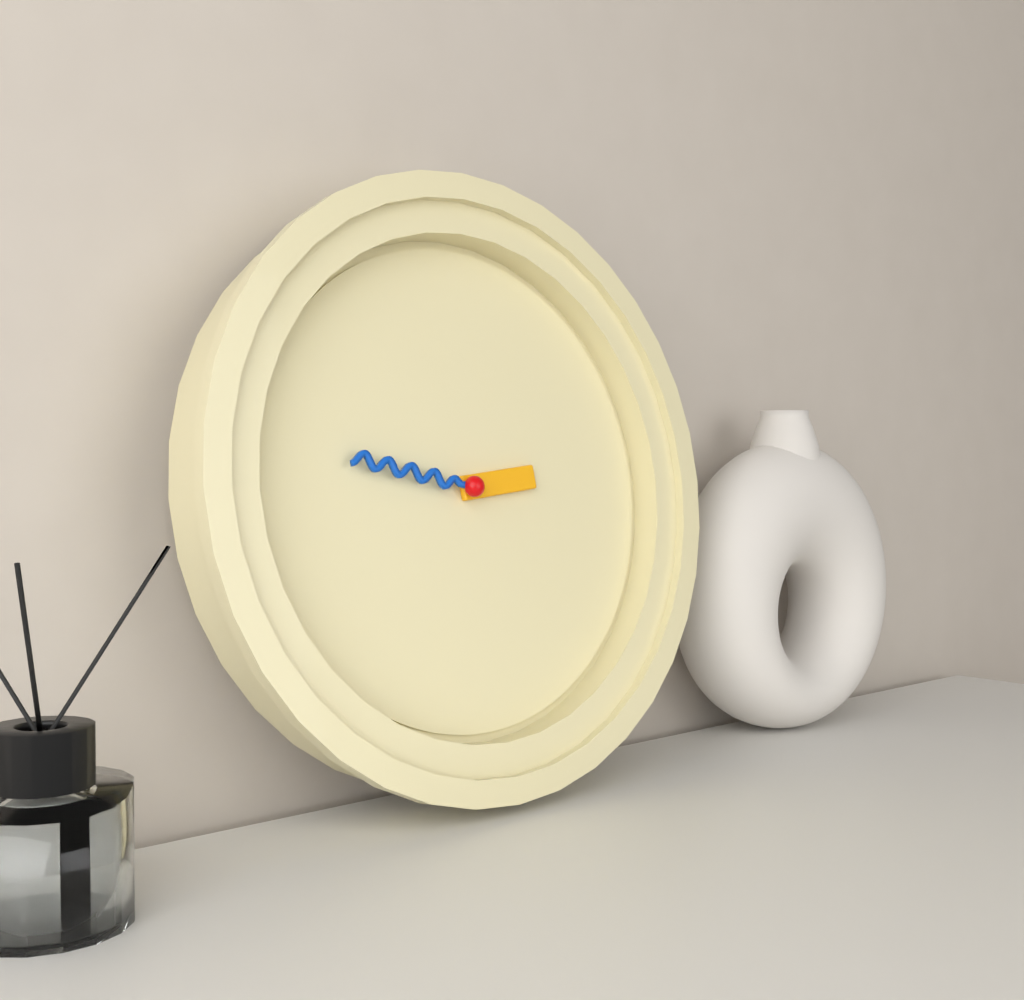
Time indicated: 2:47
